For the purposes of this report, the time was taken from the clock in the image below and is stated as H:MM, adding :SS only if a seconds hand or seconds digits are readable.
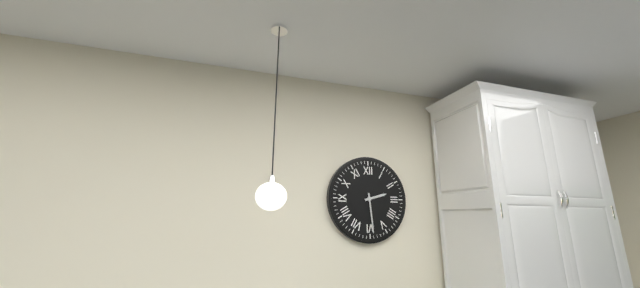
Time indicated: 2:29
